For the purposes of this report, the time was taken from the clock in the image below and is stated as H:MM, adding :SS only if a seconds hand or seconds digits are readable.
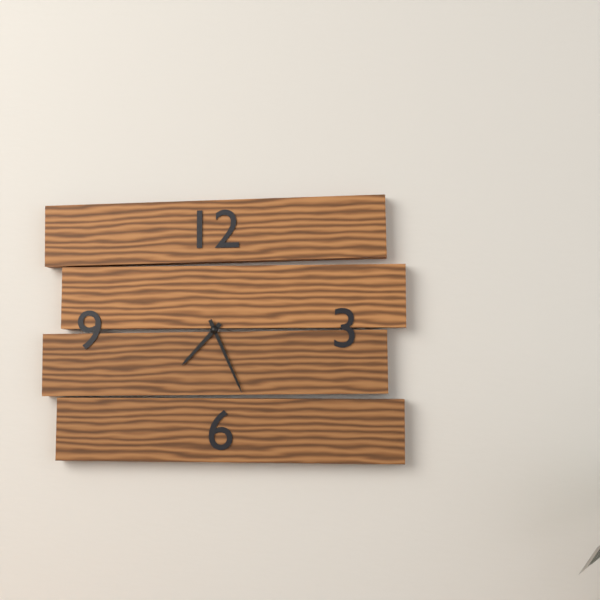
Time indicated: 7:26
